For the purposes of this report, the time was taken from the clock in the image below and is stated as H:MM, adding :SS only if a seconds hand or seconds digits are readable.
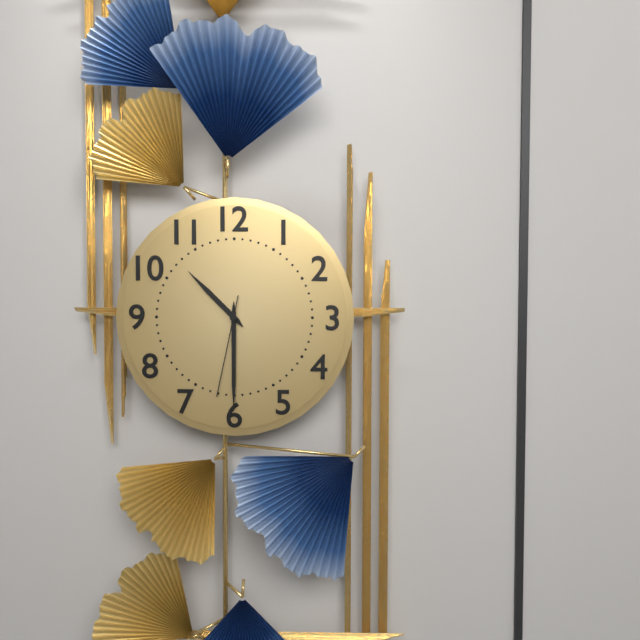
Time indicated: 10:30:32
